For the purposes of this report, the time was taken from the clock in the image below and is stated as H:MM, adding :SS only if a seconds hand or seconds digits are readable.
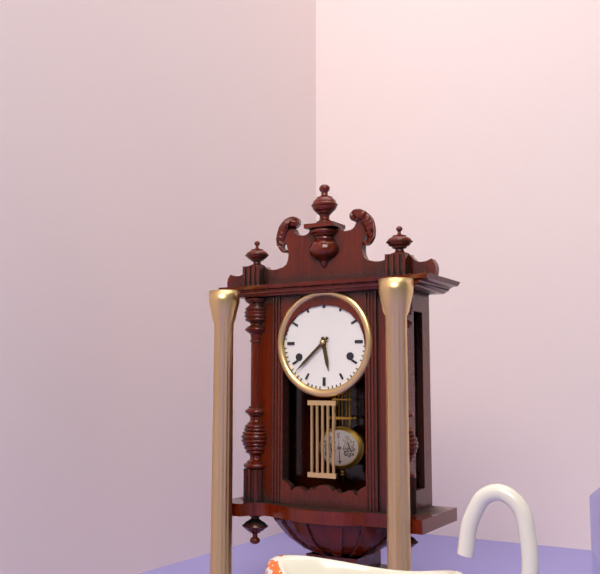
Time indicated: 5:38
